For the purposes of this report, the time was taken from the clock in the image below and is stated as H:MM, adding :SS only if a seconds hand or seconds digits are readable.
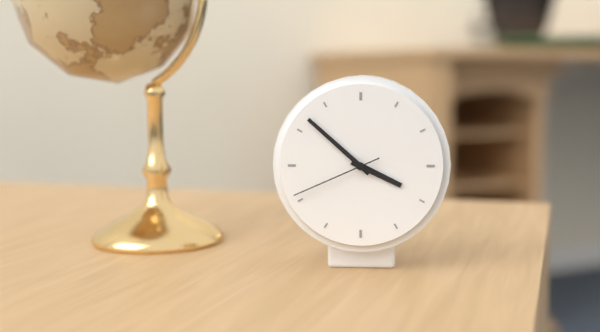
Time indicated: 3:52:41
